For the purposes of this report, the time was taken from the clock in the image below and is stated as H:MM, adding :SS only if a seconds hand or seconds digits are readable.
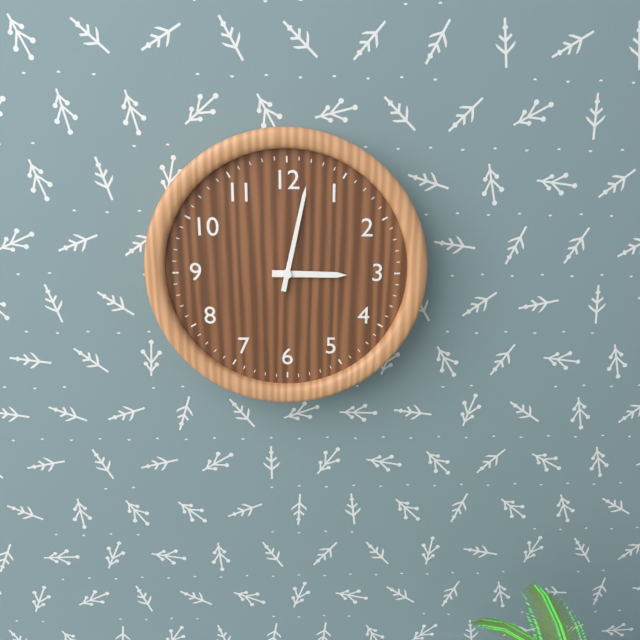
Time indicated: 3:02
